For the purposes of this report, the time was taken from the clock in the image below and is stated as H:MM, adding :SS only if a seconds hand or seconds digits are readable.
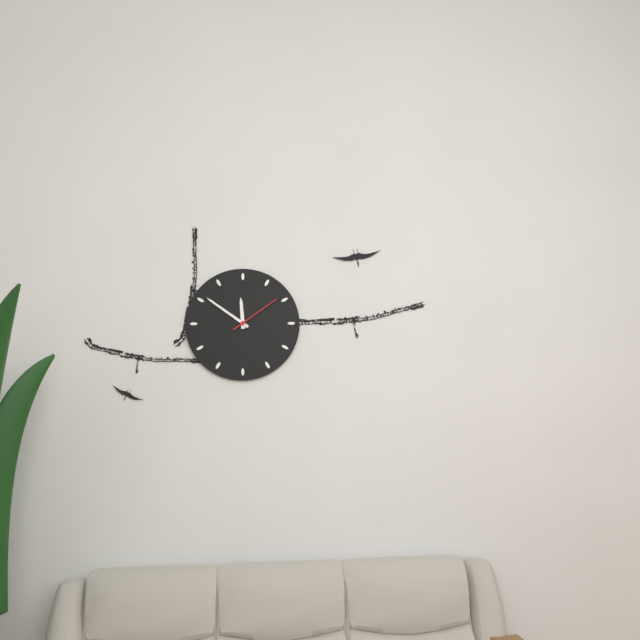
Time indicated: 11:51:09
